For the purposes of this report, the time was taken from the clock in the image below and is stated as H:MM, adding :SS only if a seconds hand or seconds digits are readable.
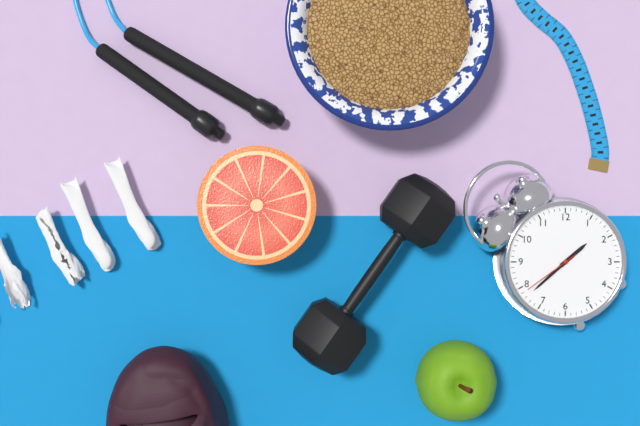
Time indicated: 1:38:39
